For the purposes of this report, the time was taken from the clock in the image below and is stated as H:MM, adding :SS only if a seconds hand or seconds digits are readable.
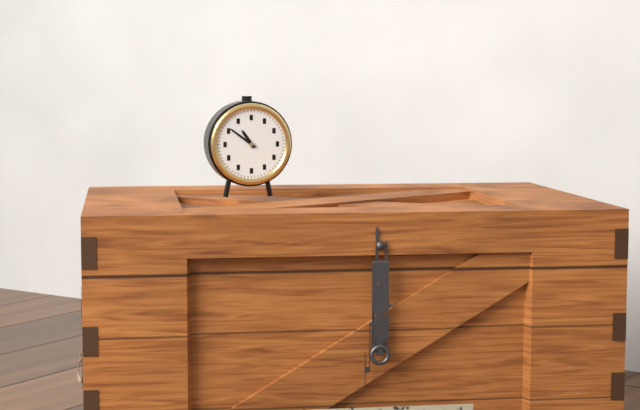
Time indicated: 10:51
